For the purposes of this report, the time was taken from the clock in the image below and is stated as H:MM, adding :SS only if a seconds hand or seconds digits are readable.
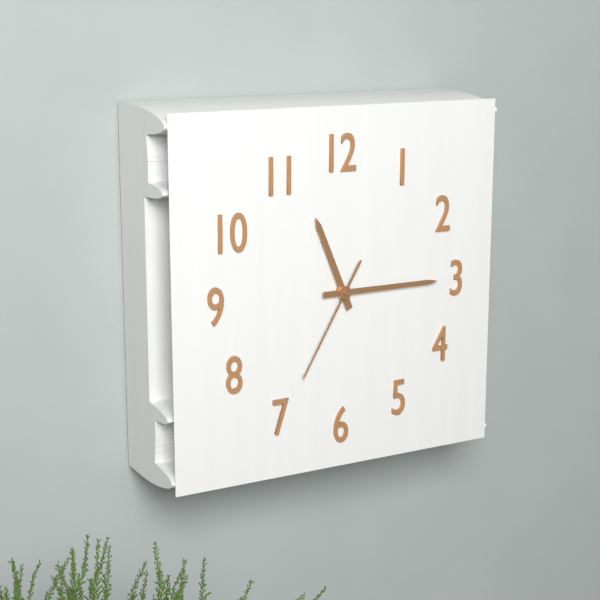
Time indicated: 11:15:35
